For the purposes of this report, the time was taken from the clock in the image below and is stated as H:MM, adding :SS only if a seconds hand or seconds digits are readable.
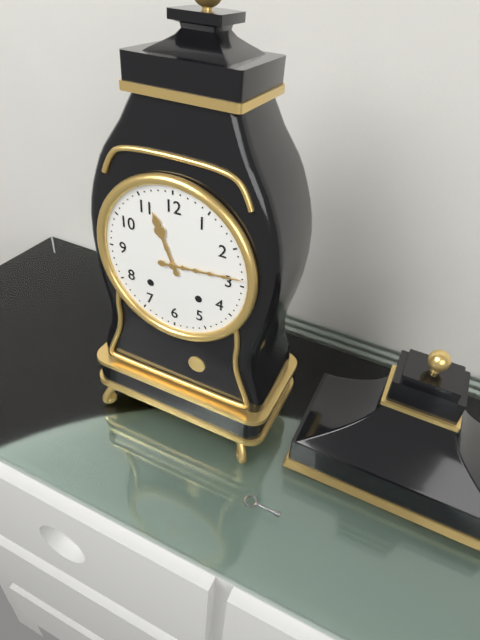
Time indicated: 11:14
